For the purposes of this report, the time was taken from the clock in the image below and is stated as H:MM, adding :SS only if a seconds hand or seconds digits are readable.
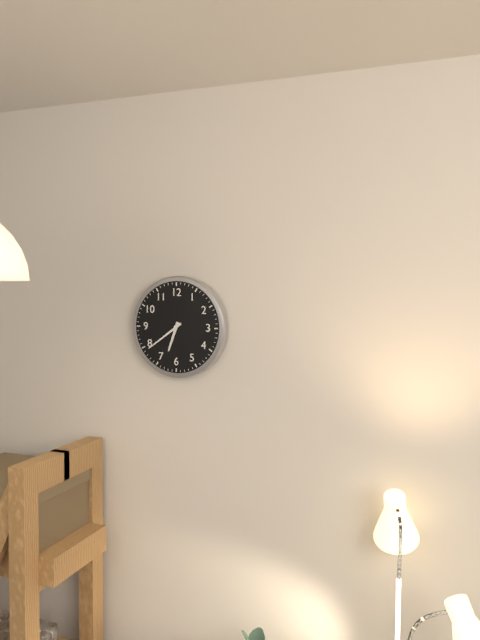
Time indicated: 6:39
